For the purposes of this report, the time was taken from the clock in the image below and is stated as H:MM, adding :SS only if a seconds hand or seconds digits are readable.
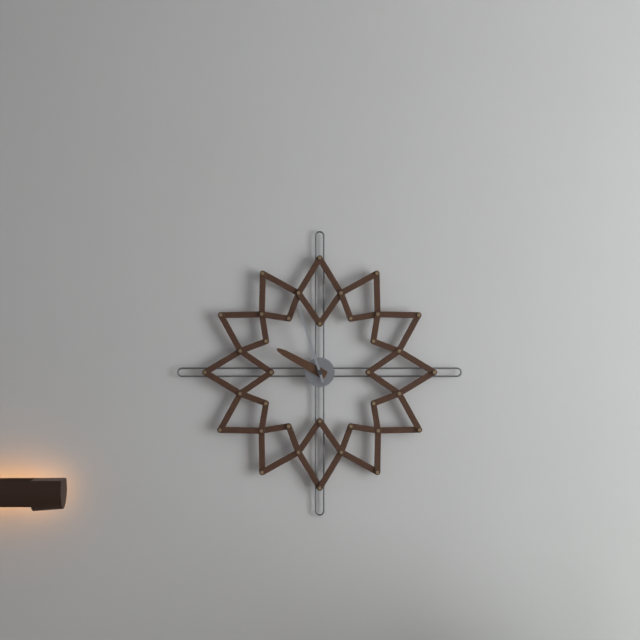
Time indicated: 9:57
